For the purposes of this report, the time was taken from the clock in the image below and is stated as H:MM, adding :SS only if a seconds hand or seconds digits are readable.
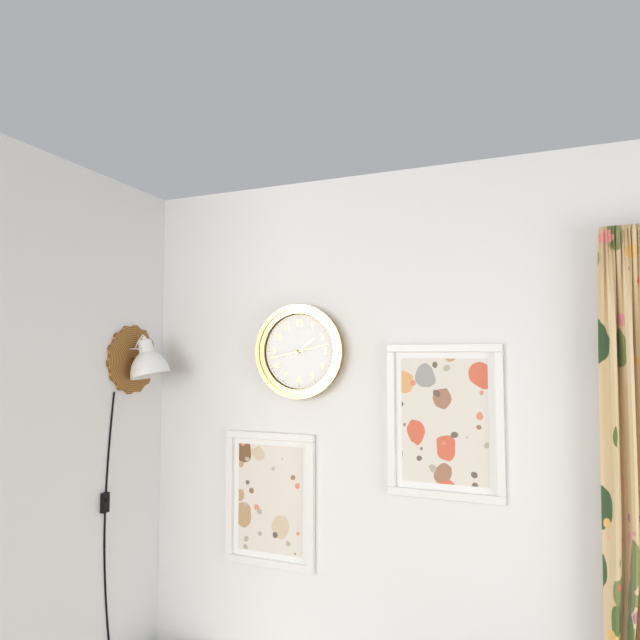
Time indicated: 1:43
